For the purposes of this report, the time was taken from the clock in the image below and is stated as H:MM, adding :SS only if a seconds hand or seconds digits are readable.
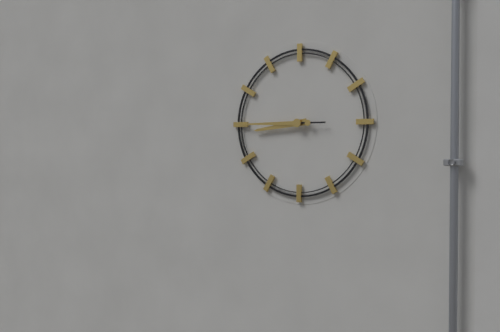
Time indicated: 8:45
